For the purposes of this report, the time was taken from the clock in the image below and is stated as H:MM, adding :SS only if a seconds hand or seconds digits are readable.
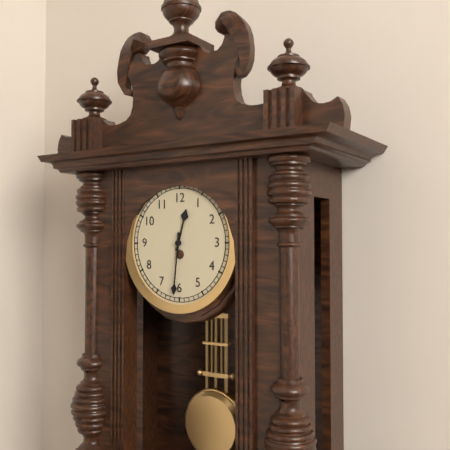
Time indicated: 12:31
